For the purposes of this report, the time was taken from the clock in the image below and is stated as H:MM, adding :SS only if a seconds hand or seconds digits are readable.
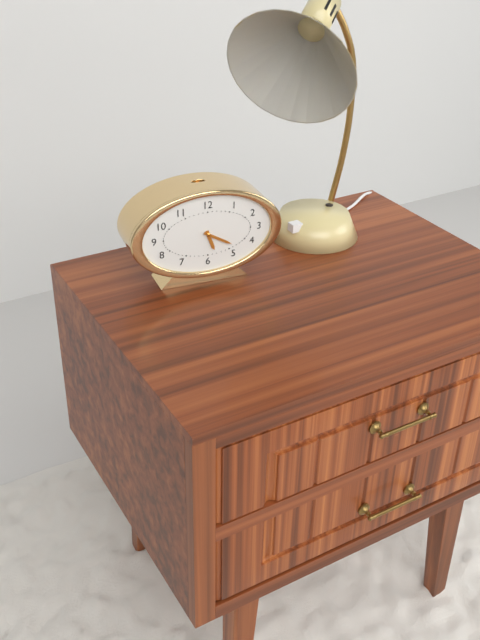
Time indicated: 5:20
